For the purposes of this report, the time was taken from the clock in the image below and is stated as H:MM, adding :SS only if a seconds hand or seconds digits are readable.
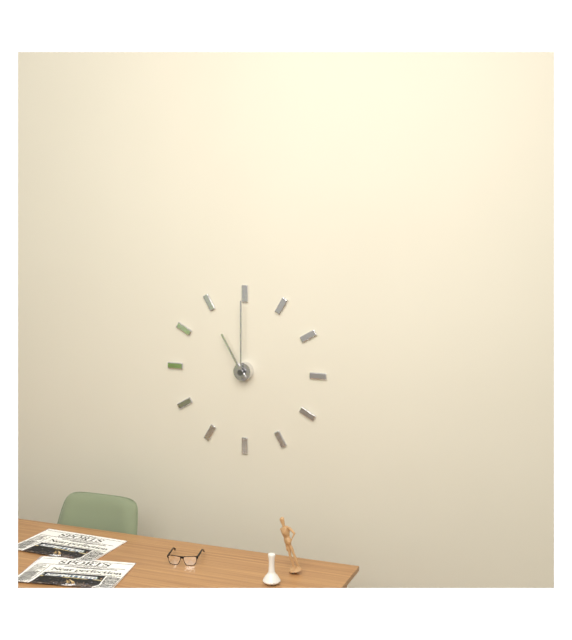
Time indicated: 11:00
